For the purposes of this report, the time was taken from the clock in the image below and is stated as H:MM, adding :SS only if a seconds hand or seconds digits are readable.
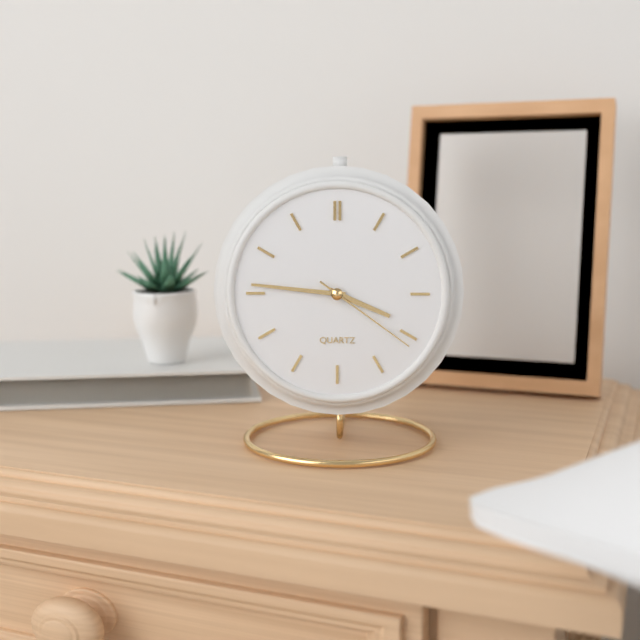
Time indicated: 3:46:21
